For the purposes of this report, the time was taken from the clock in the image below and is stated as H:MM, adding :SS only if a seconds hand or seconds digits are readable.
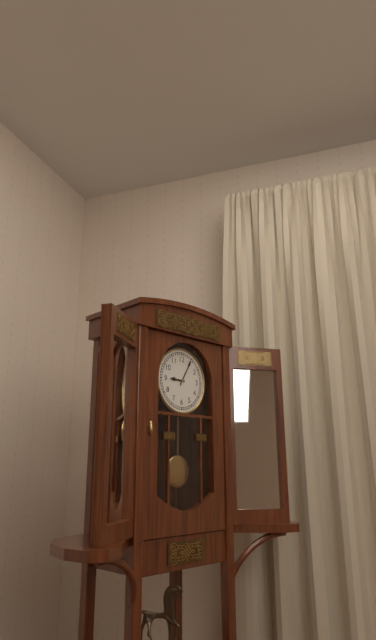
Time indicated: 9:05
